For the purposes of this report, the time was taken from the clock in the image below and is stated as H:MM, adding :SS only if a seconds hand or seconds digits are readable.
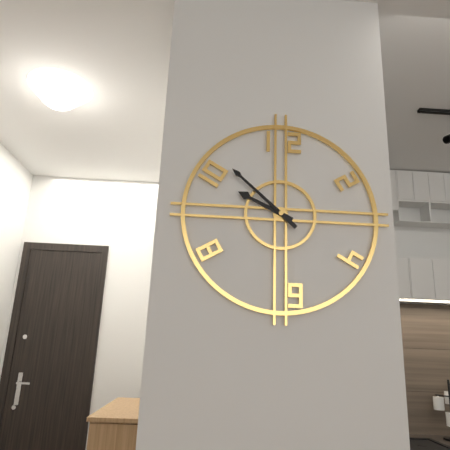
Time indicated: 9:52
